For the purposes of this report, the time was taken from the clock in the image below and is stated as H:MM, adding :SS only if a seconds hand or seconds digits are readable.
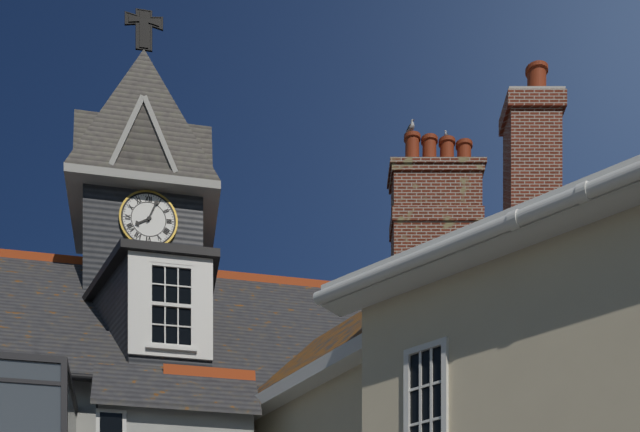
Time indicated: 8:04
